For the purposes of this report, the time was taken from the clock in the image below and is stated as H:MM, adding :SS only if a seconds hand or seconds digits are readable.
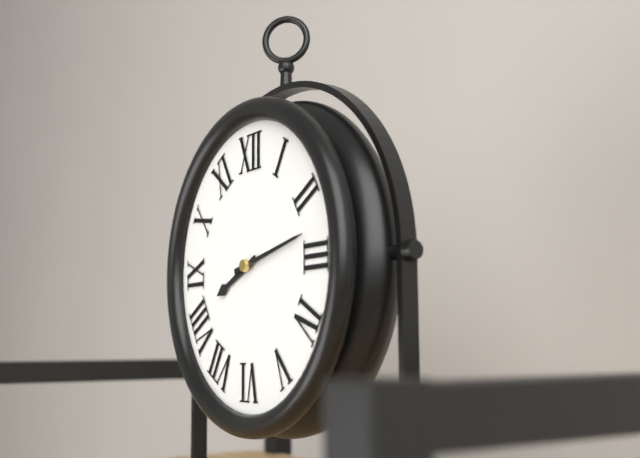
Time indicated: 8:13
